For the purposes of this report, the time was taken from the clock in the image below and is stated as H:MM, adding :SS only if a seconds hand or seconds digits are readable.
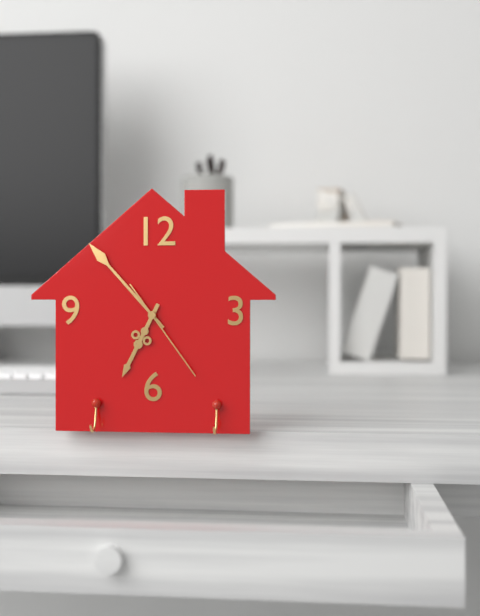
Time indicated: 6:53:24
